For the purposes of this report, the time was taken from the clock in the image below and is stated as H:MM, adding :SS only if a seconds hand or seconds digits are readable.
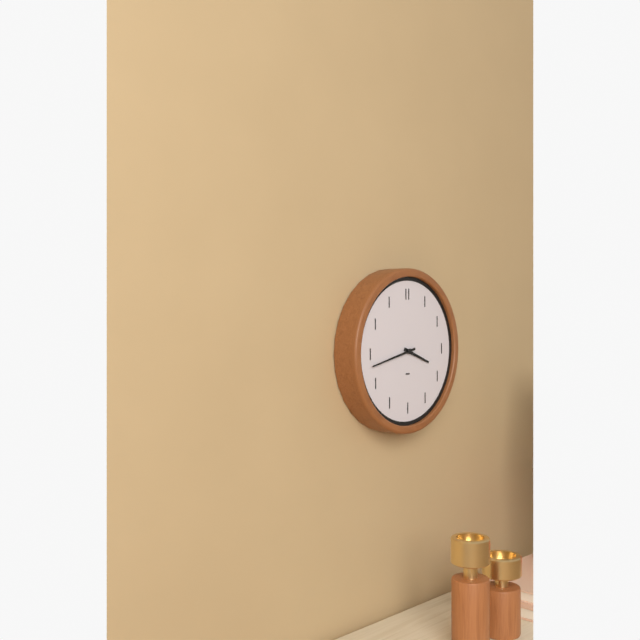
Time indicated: 3:43
